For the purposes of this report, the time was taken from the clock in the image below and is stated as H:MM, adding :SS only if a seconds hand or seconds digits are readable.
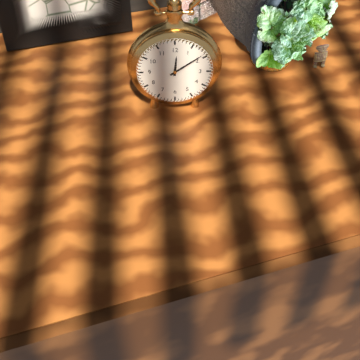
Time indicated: 12:09
